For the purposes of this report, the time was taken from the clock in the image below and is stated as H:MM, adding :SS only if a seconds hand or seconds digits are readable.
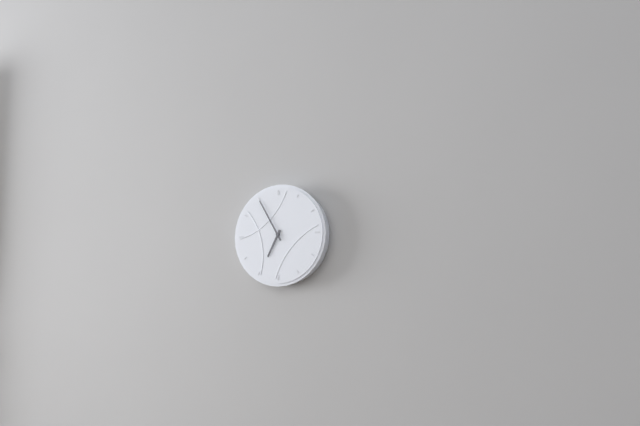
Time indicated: 6:55
